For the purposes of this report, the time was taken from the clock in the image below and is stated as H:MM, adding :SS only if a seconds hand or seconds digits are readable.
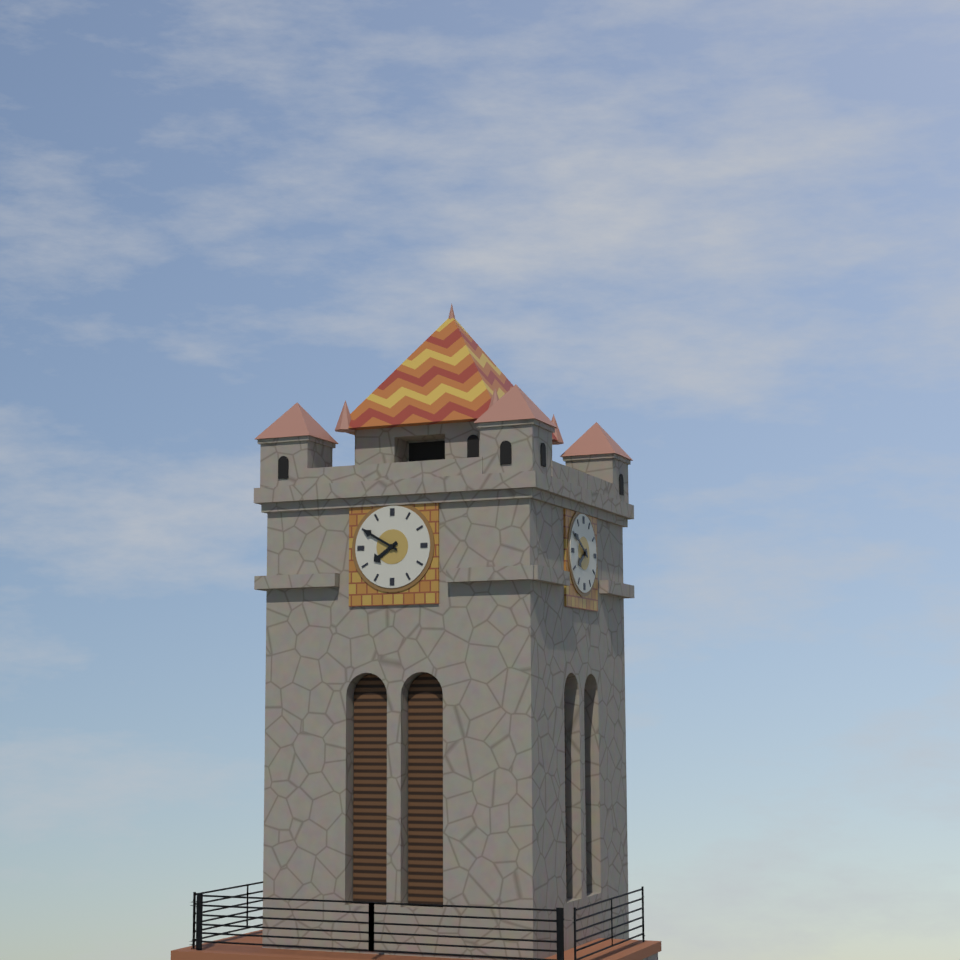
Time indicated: 7:50
